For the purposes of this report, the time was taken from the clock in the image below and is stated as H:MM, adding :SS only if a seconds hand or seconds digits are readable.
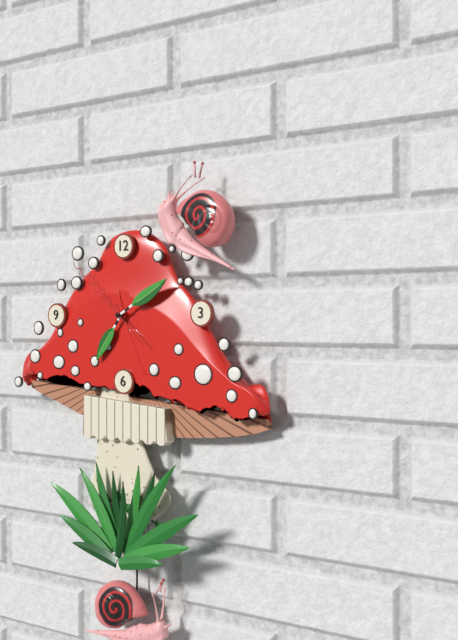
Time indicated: 7:10:52
